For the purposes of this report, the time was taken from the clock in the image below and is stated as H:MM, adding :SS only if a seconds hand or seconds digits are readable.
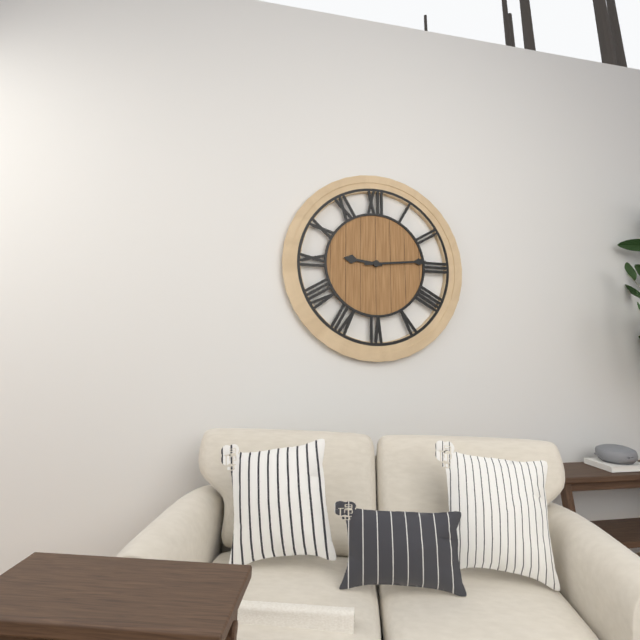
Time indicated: 9:14
